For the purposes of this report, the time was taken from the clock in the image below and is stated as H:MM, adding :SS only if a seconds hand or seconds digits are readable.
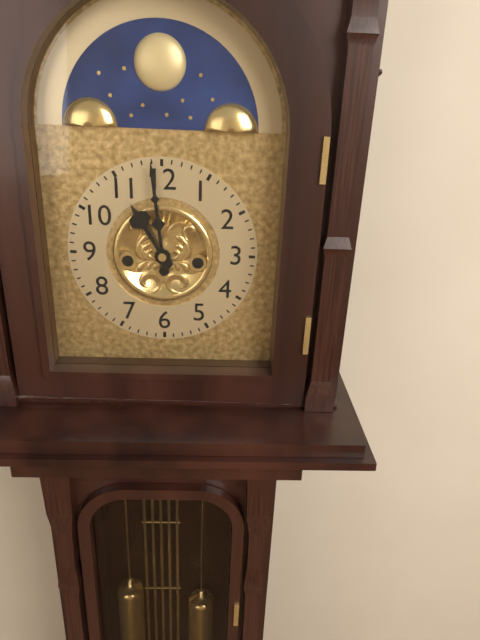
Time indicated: 10:59
